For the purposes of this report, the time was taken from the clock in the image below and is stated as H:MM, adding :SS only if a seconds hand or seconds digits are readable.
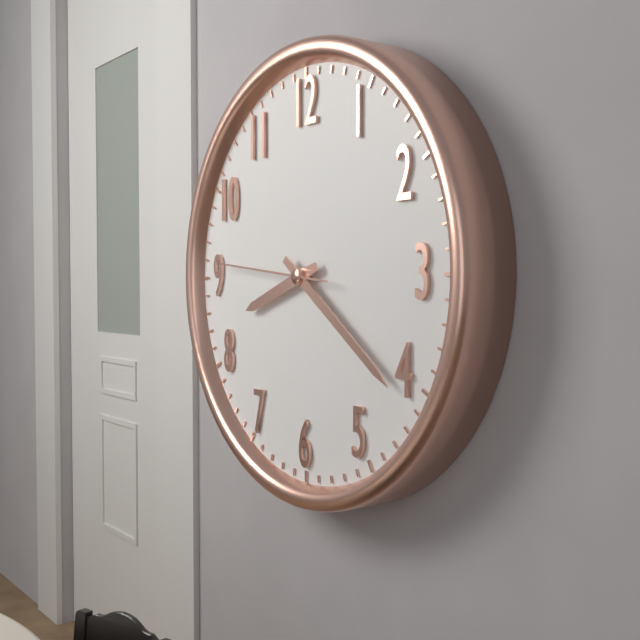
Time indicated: 8:21:46
